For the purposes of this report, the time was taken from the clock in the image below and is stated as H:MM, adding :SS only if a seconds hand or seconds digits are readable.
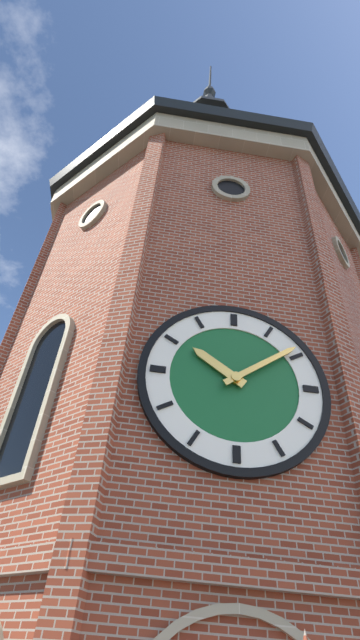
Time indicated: 10:09
